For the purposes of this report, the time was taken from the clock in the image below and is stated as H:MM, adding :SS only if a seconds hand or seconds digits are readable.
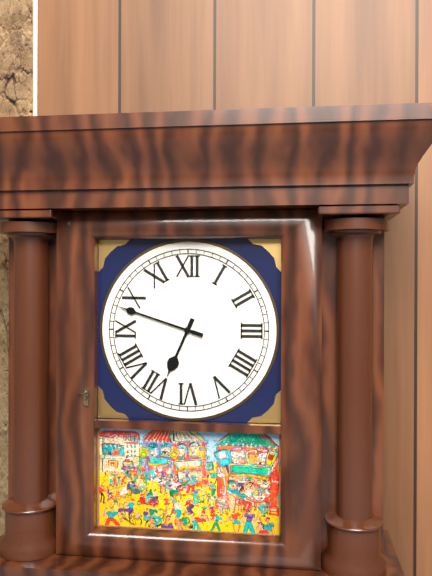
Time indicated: 6:48
